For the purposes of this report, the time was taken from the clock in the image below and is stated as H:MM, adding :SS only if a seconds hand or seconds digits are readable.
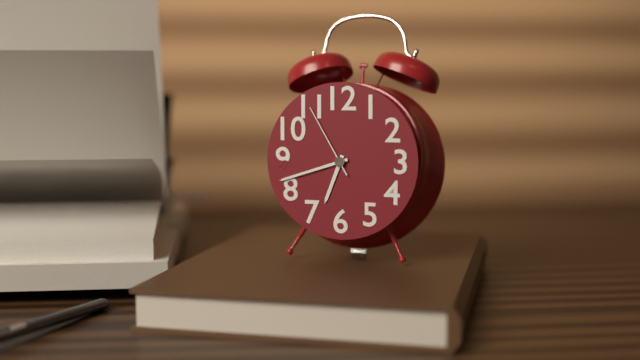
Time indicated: 6:42:55
